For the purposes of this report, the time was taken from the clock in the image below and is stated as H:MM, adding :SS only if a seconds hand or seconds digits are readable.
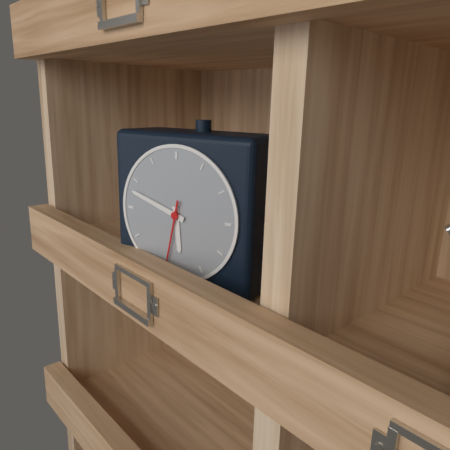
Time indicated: 5:48:32
